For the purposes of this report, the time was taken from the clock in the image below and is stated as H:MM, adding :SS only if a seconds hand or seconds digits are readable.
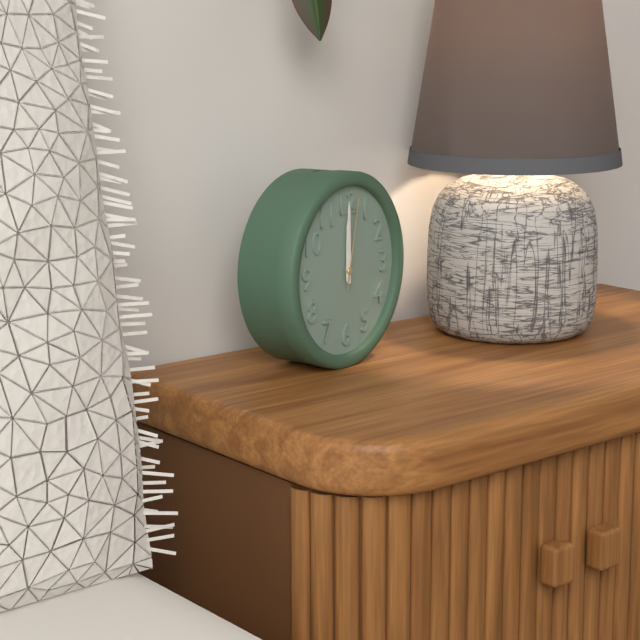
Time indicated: 12:00:02
